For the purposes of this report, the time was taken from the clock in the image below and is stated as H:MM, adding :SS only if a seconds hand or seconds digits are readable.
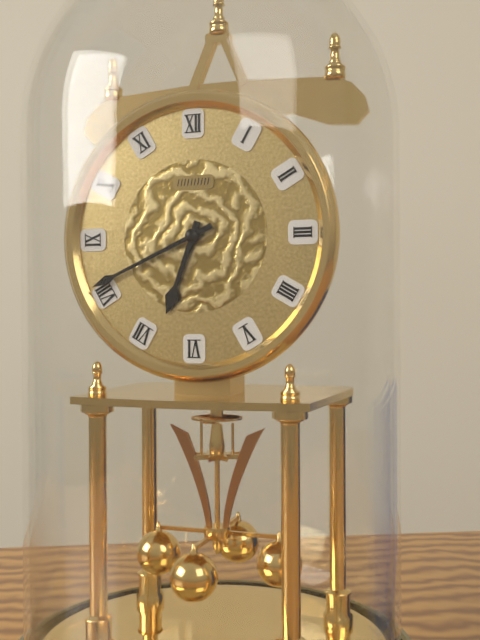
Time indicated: 6:41
